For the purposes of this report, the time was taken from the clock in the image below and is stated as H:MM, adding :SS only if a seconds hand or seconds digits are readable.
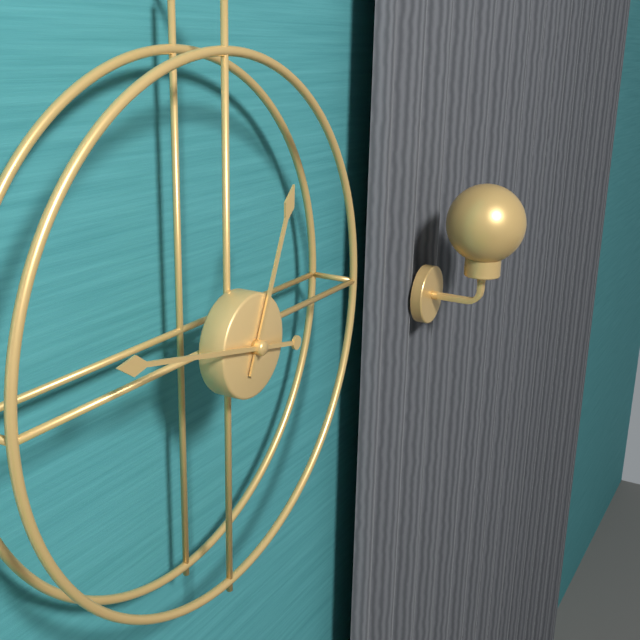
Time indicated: 12:47
